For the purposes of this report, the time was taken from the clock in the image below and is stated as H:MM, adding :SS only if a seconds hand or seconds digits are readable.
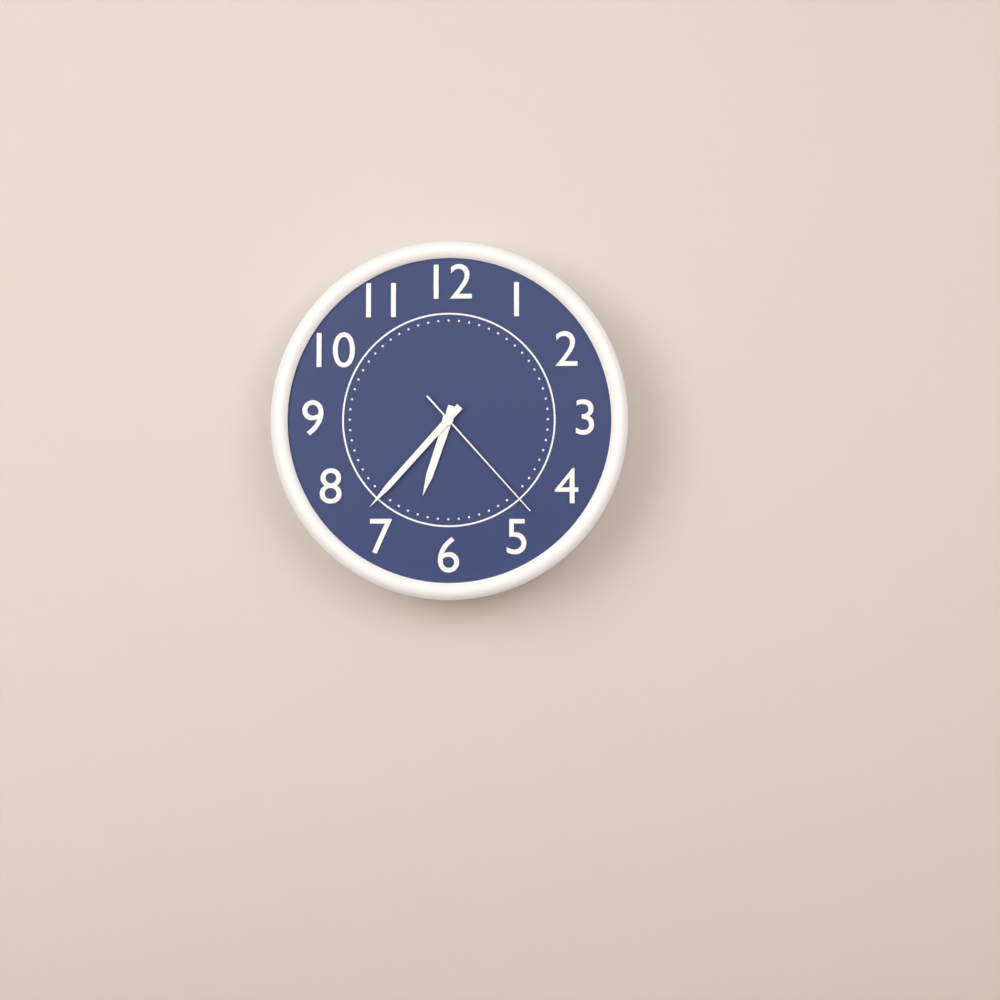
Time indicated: 6:37:23
